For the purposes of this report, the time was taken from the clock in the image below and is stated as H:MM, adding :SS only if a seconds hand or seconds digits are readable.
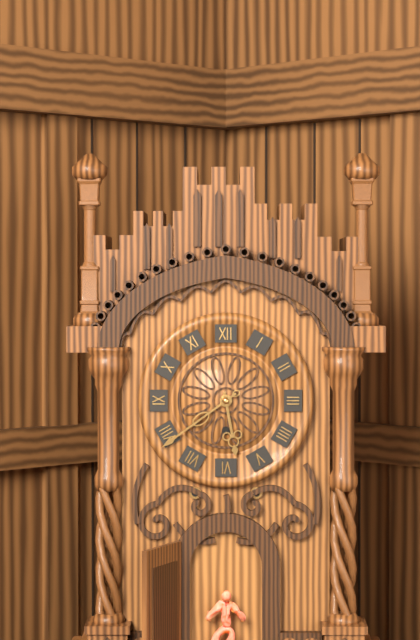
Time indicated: 5:39
